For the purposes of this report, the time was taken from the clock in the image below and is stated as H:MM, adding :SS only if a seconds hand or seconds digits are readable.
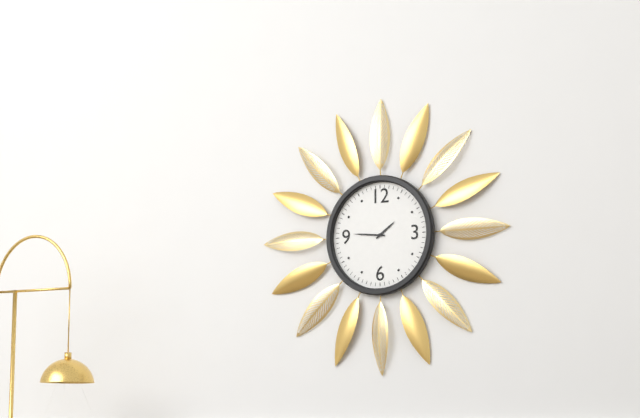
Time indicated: 1:46
